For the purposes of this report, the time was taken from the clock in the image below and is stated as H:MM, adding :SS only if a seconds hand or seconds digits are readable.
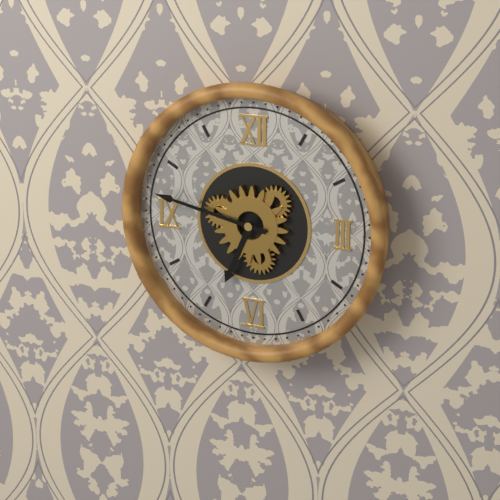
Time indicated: 6:47
